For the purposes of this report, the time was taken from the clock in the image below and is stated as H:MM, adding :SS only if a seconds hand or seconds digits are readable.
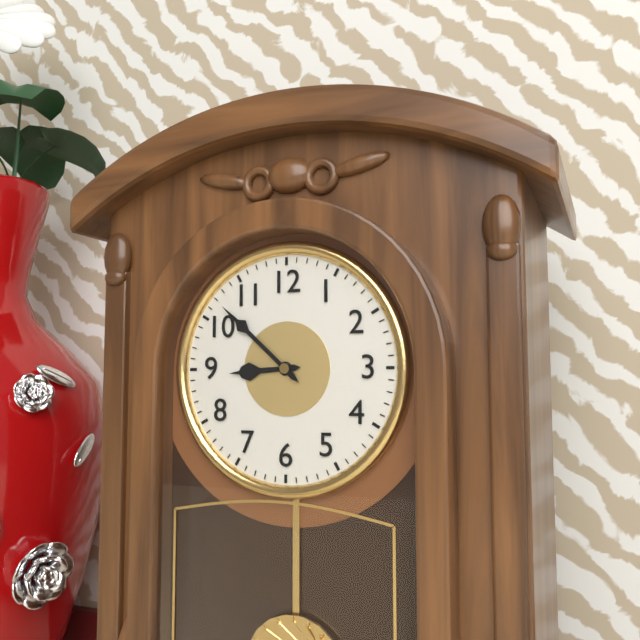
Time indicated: 8:52
